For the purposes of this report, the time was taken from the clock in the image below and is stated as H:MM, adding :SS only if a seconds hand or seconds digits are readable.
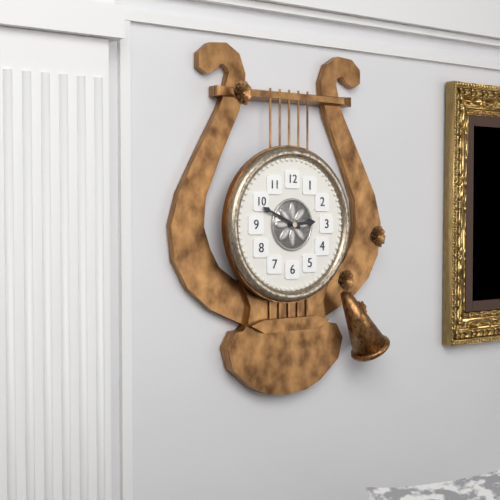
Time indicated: 2:49
